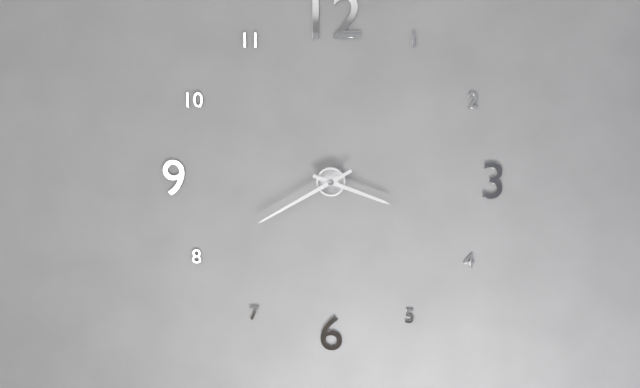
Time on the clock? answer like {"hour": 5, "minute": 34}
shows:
{"hour": 3, "minute": 40}
